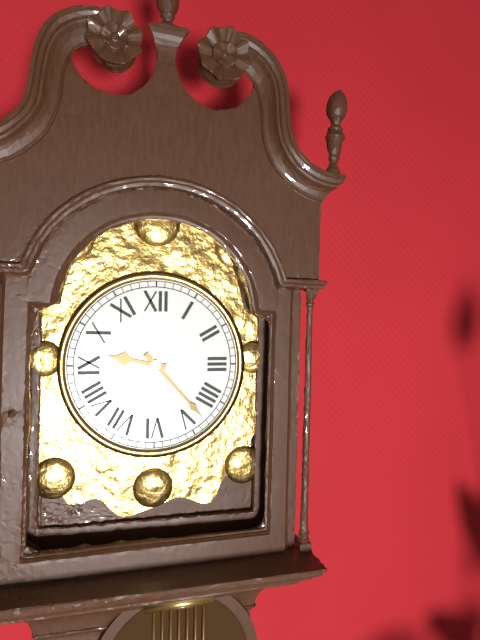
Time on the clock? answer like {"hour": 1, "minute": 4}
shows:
{"hour": 9, "minute": 23}
